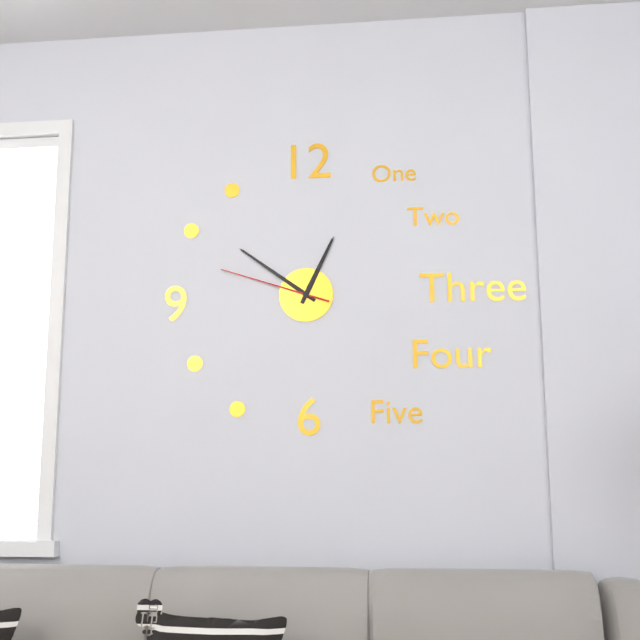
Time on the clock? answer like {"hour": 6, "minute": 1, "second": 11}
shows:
{"hour": 12, "minute": 51, "second": 48}
